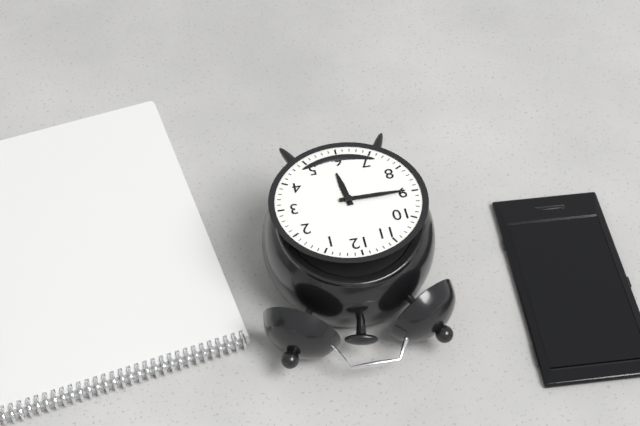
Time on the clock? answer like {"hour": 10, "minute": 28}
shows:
{"hour": 5, "minute": 45}
